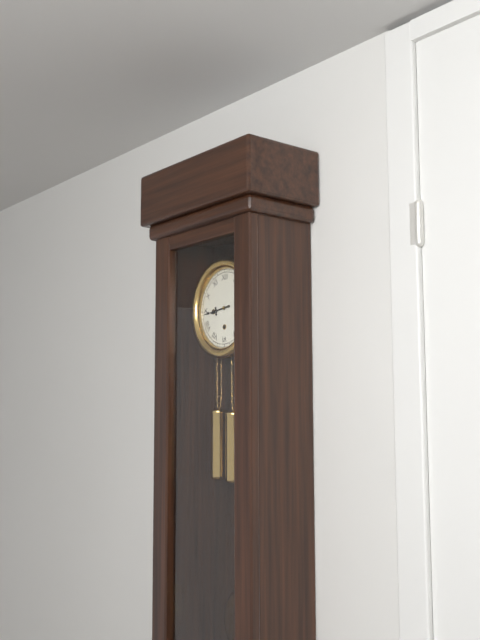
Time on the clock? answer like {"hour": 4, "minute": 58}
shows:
{"hour": 8, "minute": 44}
